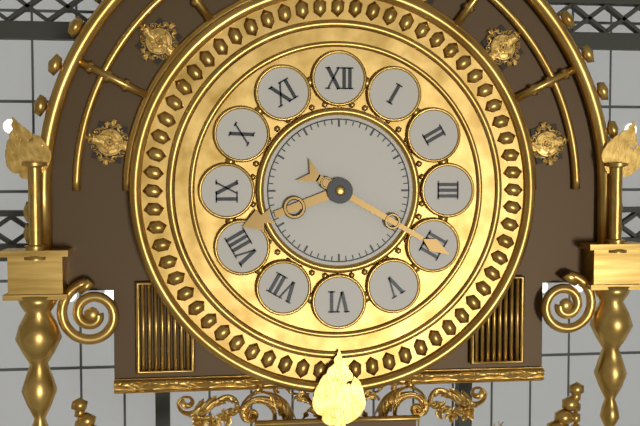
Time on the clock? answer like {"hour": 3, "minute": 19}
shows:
{"hour": 8, "minute": 20}
